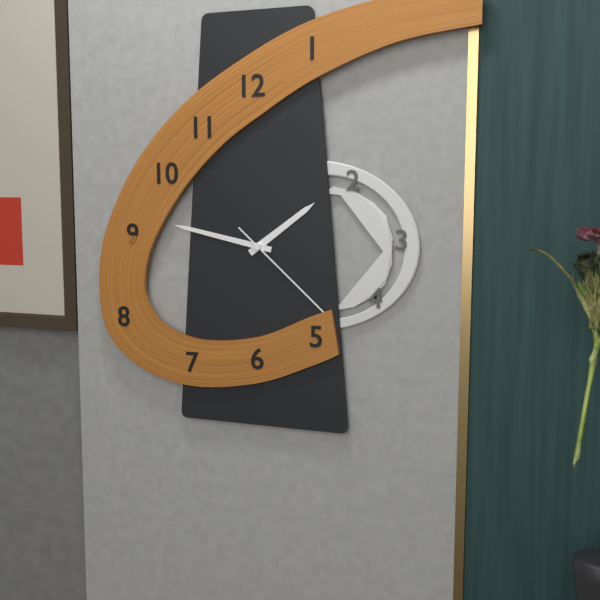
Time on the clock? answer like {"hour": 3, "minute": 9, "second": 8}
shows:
{"hour": 1, "minute": 47, "second": 22}
